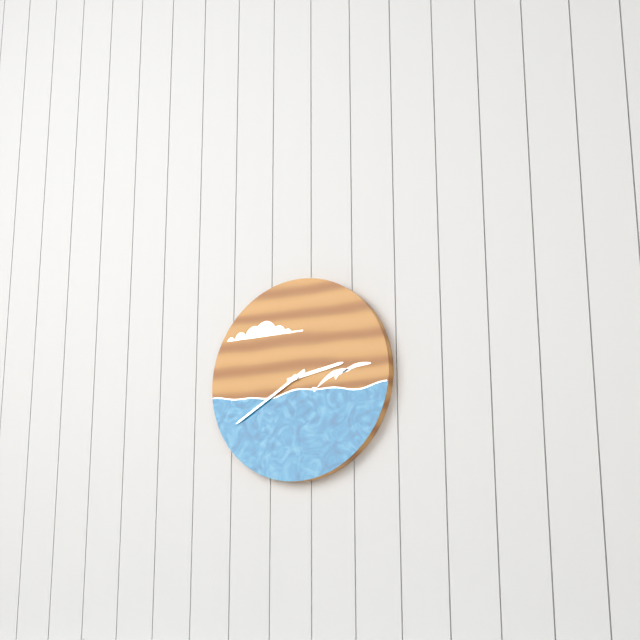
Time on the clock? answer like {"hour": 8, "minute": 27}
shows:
{"hour": 2, "minute": 40}
